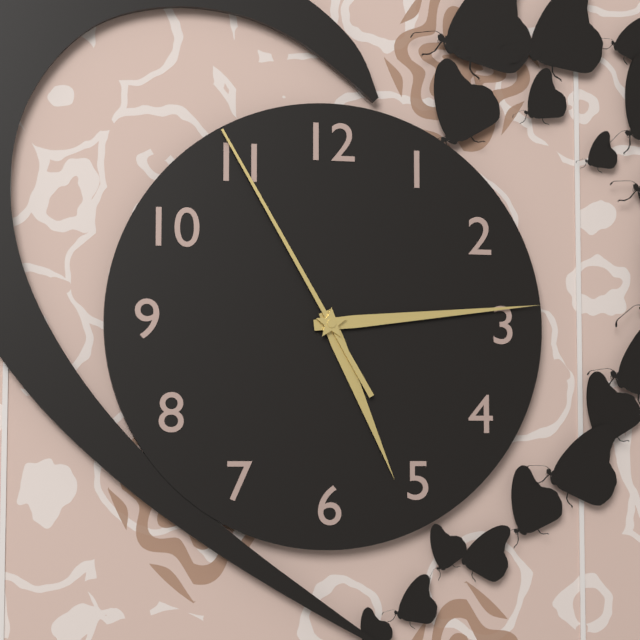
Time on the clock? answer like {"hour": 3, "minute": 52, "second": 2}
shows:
{"hour": 5, "minute": 14, "second": 55}
